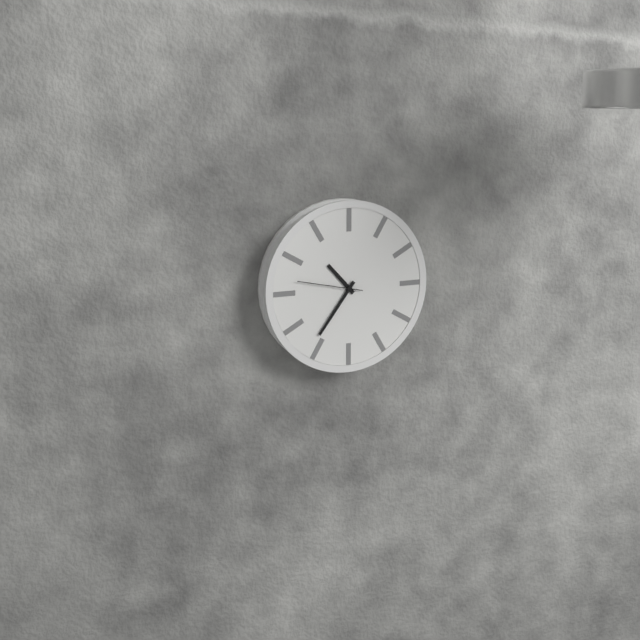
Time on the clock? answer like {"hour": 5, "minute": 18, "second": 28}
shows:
{"hour": 10, "minute": 36, "second": 47}
